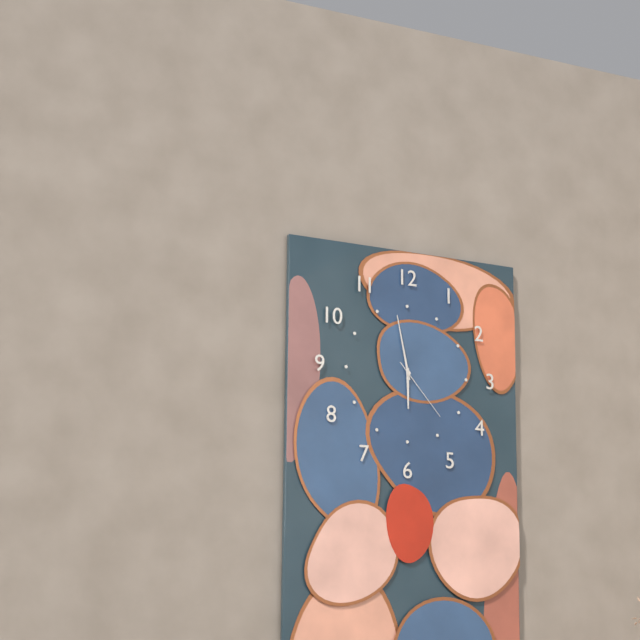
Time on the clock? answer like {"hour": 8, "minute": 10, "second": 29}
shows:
{"hour": 5, "minute": 58, "second": 23}
